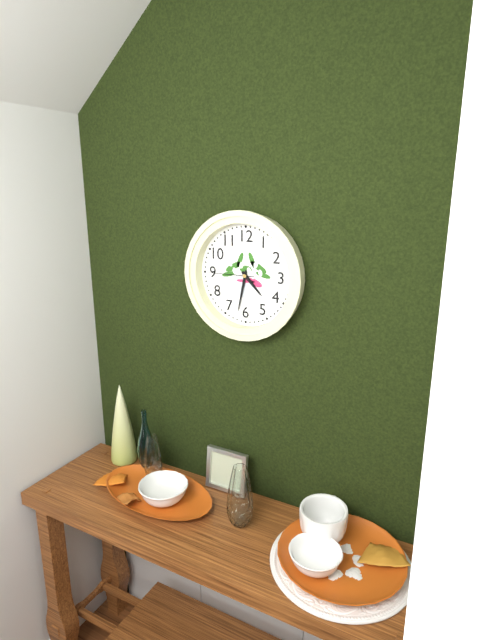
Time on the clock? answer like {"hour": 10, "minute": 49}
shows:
{"hour": 4, "minute": 32}
